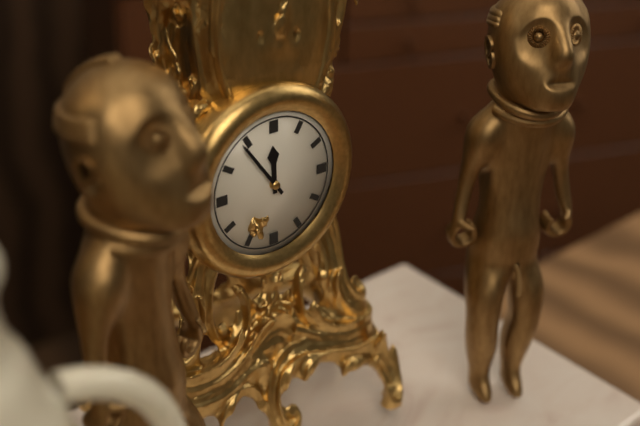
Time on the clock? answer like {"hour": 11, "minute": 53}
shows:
{"hour": 11, "minute": 54}
